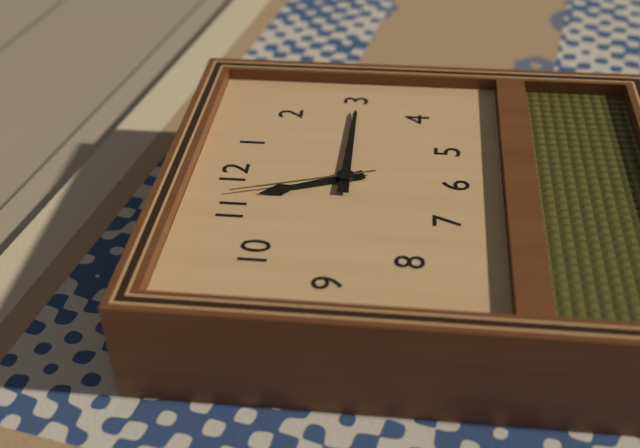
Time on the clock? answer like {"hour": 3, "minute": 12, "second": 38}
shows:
{"hour": 11, "minute": 15, "second": 57}
